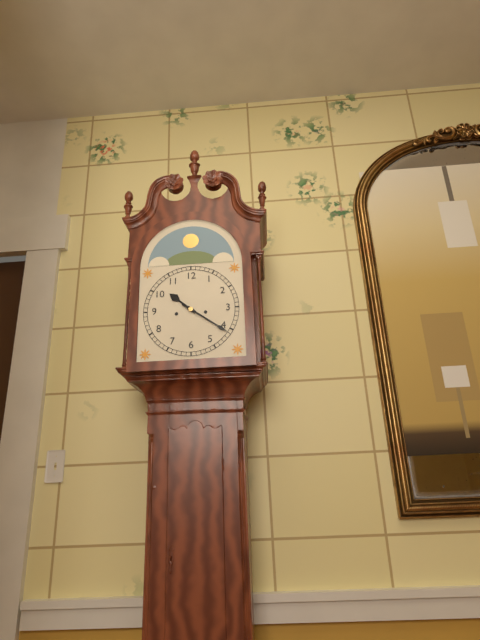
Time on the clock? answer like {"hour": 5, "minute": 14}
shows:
{"hour": 10, "minute": 21}
